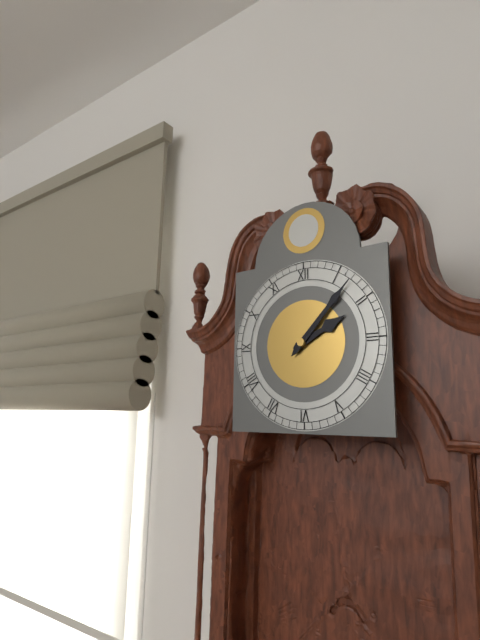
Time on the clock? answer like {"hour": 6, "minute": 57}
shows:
{"hour": 2, "minute": 7}
